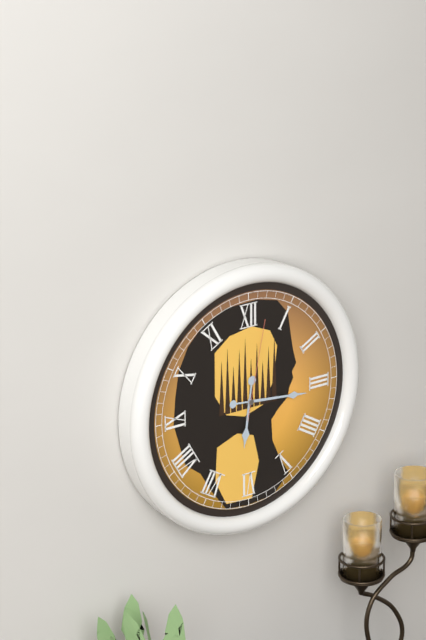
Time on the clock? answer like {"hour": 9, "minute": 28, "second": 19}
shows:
{"hour": 6, "minute": 16, "second": 2}
